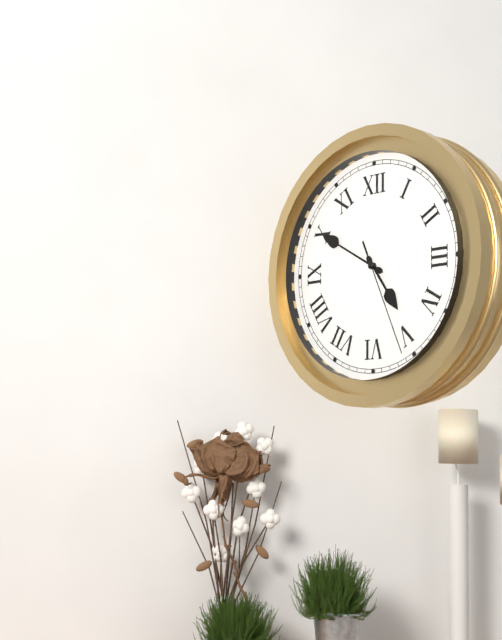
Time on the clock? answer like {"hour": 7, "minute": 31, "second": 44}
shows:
{"hour": 4, "minute": 50, "second": 26}
